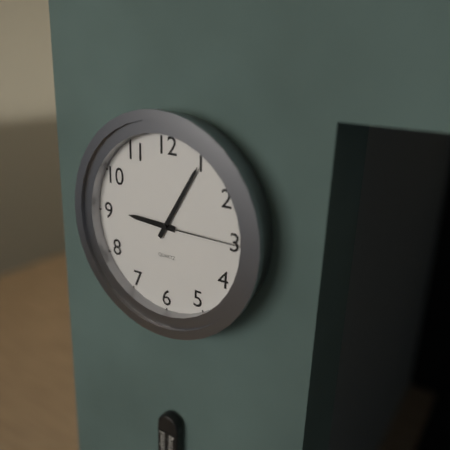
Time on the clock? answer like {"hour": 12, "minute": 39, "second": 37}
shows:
{"hour": 9, "minute": 5, "second": 15}
